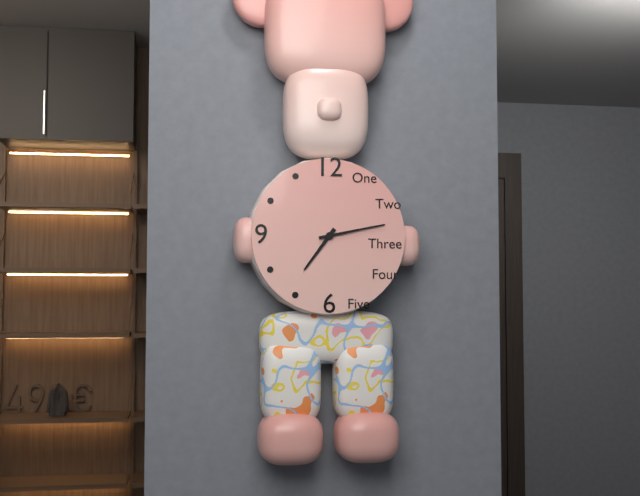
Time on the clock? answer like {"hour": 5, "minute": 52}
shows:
{"hour": 7, "minute": 13}
